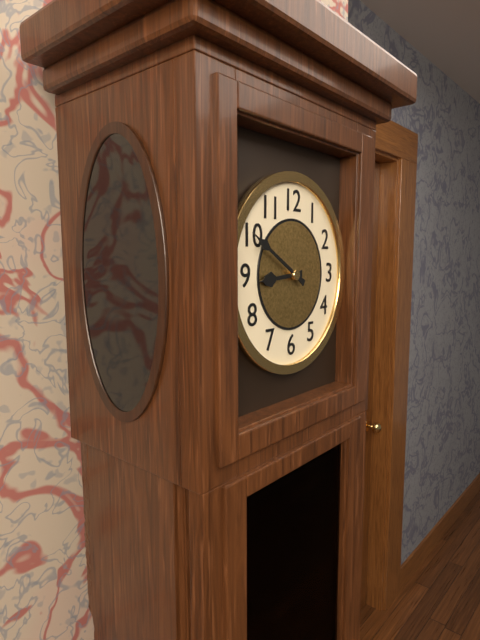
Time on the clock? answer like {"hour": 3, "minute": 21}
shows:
{"hour": 8, "minute": 50}
